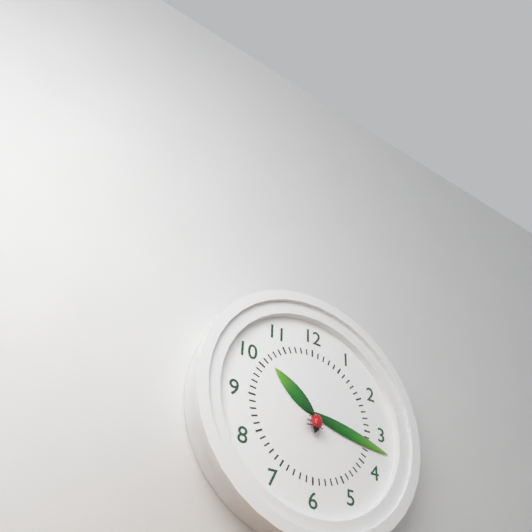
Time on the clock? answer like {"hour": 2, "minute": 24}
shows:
{"hour": 10, "minute": 17}
